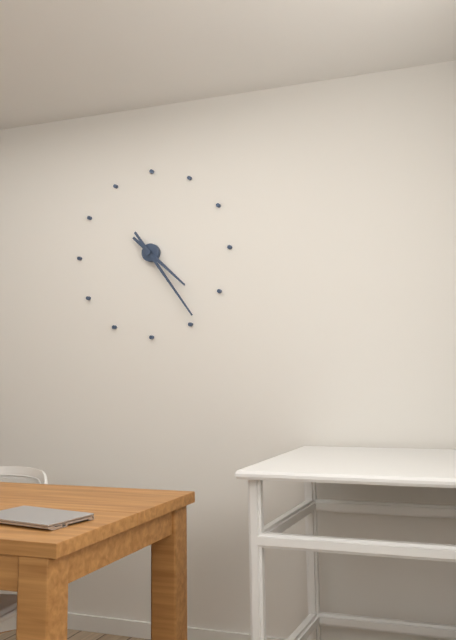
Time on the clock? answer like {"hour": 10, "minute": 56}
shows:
{"hour": 4, "minute": 24}
